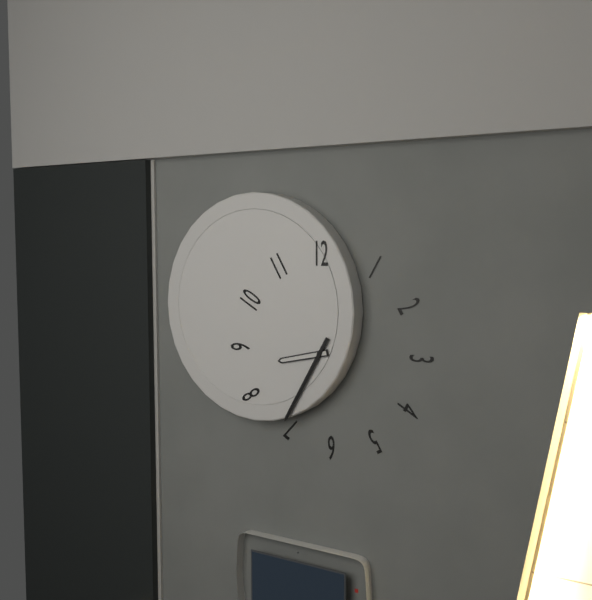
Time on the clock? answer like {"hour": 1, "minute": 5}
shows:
{"hour": 8, "minute": 35}
